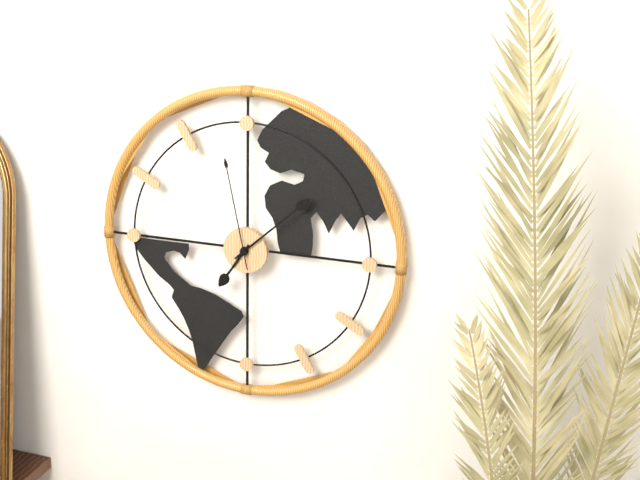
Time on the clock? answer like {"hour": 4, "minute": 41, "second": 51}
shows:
{"hour": 7, "minute": 8, "second": 58}
